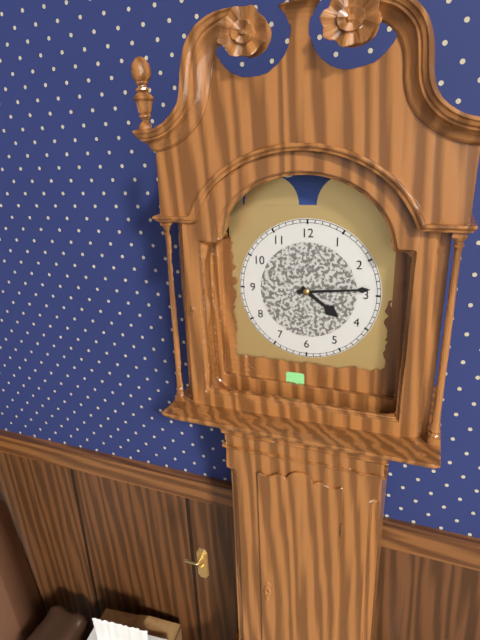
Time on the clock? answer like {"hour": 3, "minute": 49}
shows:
{"hour": 4, "minute": 14}
